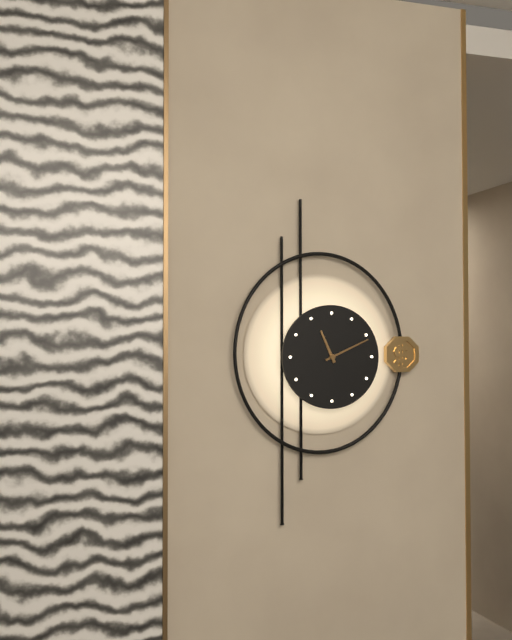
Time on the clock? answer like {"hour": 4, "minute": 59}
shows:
{"hour": 11, "minute": 11}
